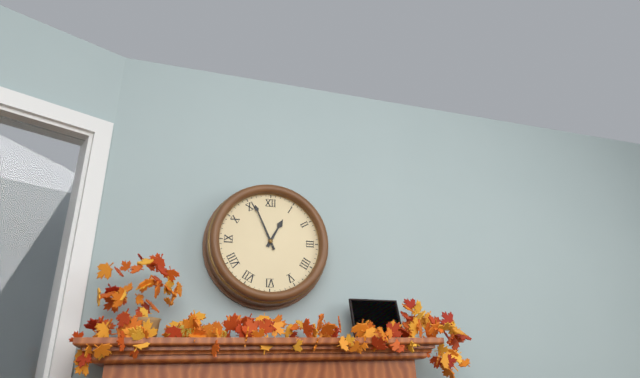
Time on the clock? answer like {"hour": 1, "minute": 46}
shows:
{"hour": 12, "minute": 56}
